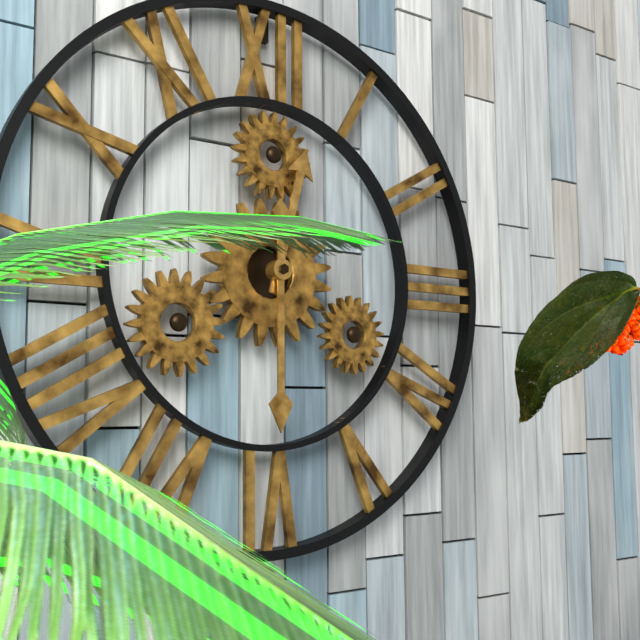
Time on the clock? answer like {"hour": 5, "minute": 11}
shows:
{"hour": 12, "minute": 30}
